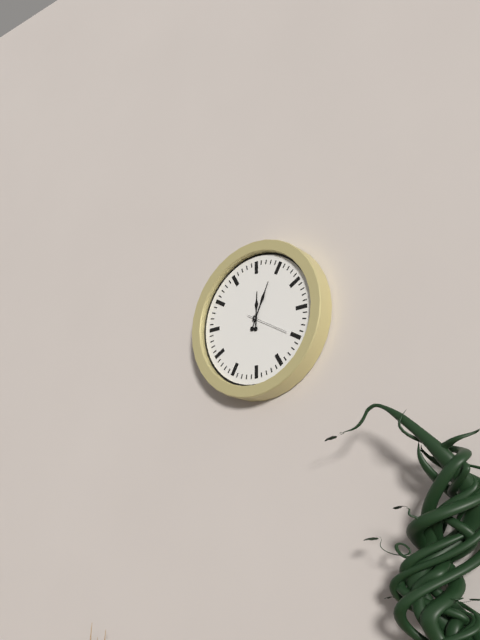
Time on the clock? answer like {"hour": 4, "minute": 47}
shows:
{"hour": 12, "minute": 4}
